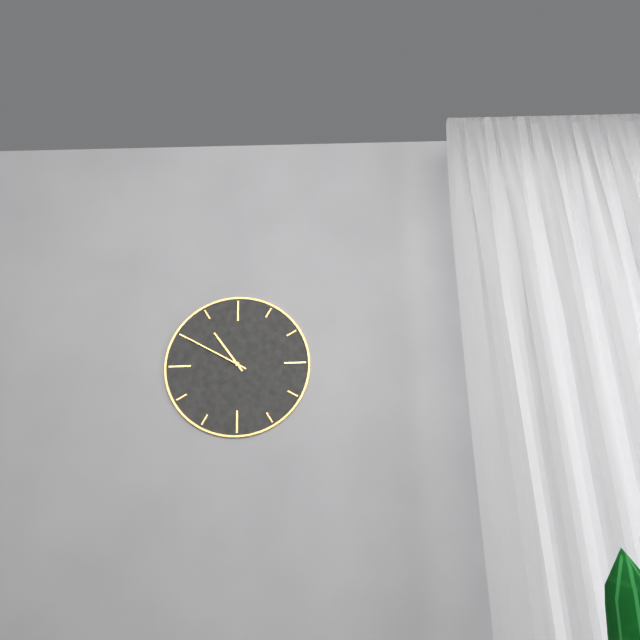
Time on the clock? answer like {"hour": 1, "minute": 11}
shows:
{"hour": 10, "minute": 50}
